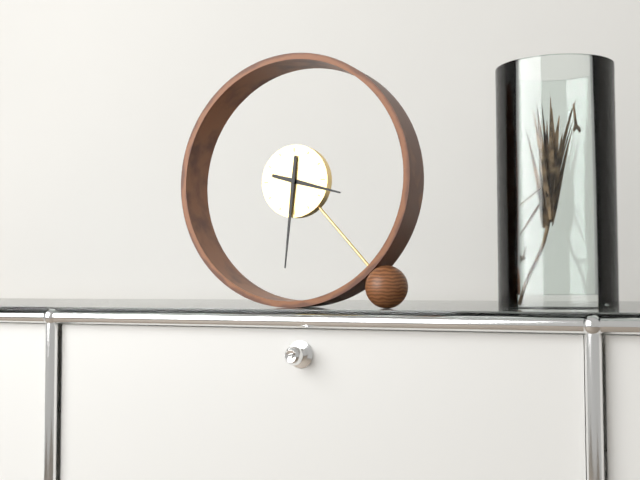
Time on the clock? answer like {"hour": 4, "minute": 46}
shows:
{"hour": 3, "minute": 31}
